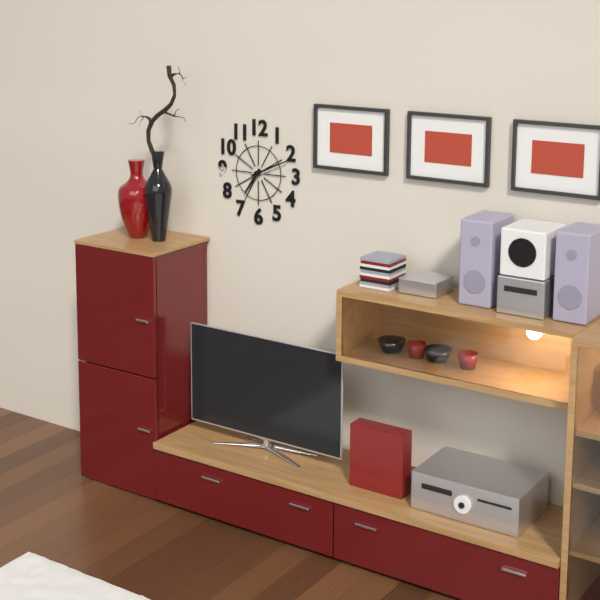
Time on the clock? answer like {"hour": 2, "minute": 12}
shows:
{"hour": 7, "minute": 11}
